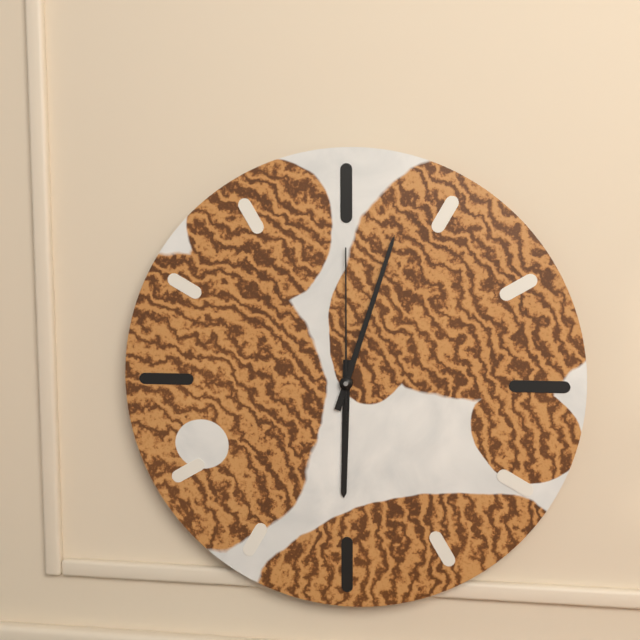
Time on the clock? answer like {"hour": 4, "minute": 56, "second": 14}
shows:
{"hour": 6, "minute": 3, "second": 0}
